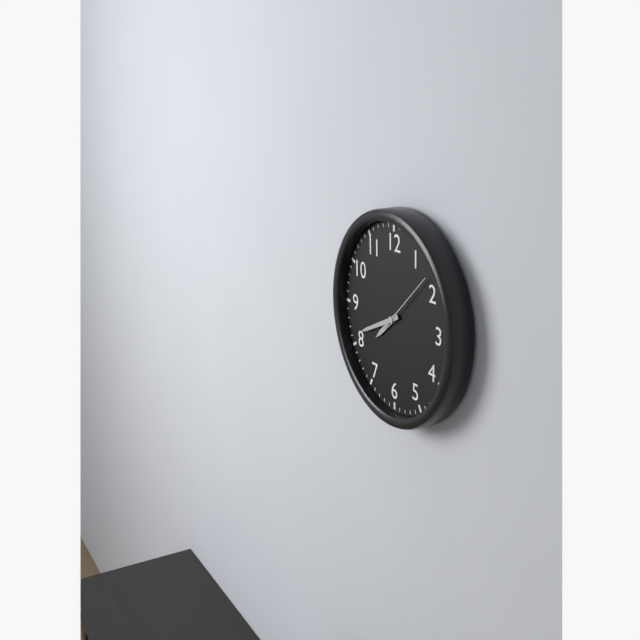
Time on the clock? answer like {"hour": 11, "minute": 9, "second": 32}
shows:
{"hour": 7, "minute": 41, "second": 8}
